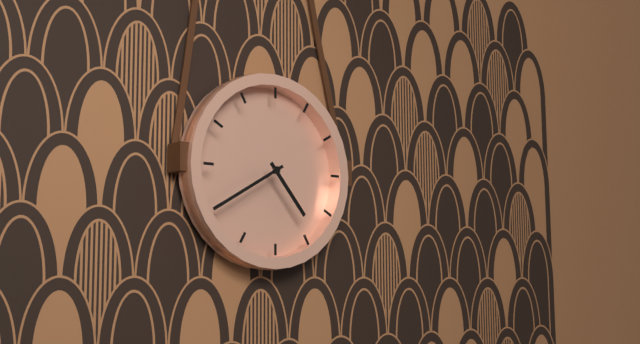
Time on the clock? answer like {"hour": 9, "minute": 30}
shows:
{"hour": 4, "minute": 40}
